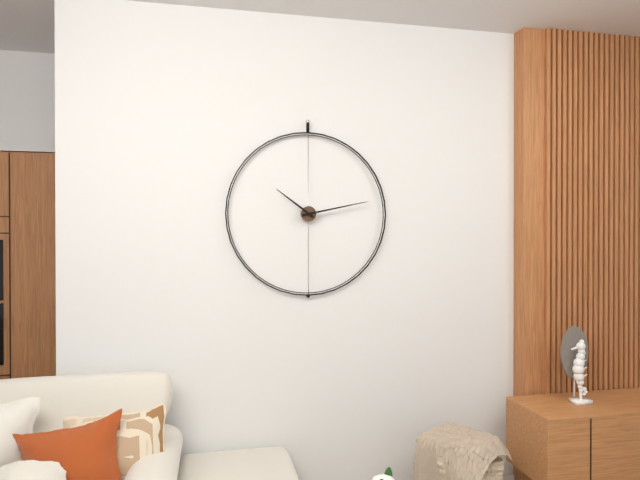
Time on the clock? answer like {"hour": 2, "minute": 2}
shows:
{"hour": 10, "minute": 13}
